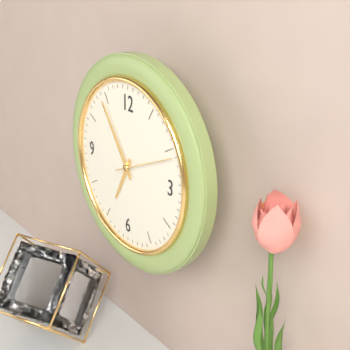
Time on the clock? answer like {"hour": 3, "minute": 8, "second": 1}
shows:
{"hour": 6, "minute": 54, "second": 11}
